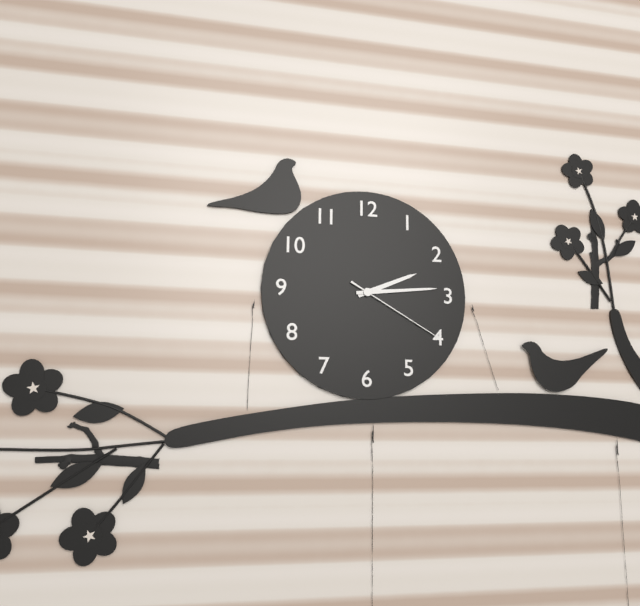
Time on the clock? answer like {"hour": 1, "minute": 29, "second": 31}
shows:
{"hour": 2, "minute": 14, "second": 20}
